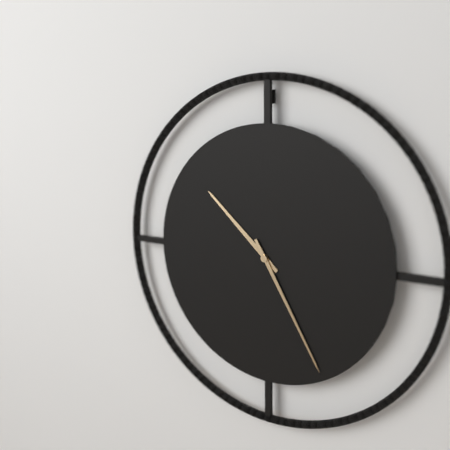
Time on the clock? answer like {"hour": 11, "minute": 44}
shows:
{"hour": 10, "minute": 25}
